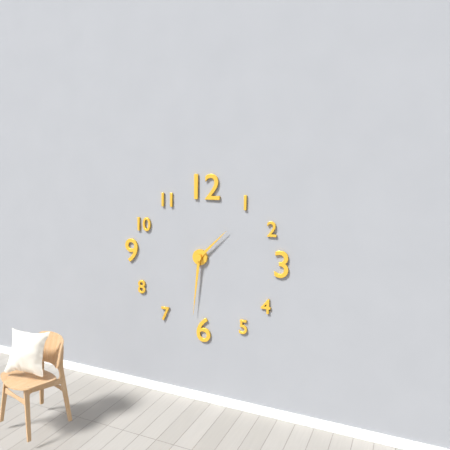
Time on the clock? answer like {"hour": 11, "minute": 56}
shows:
{"hour": 1, "minute": 31}
